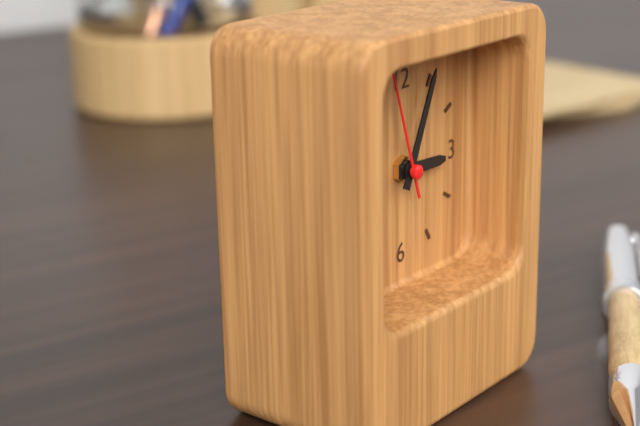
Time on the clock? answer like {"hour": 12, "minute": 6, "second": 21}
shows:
{"hour": 3, "minute": 4, "second": 57}
